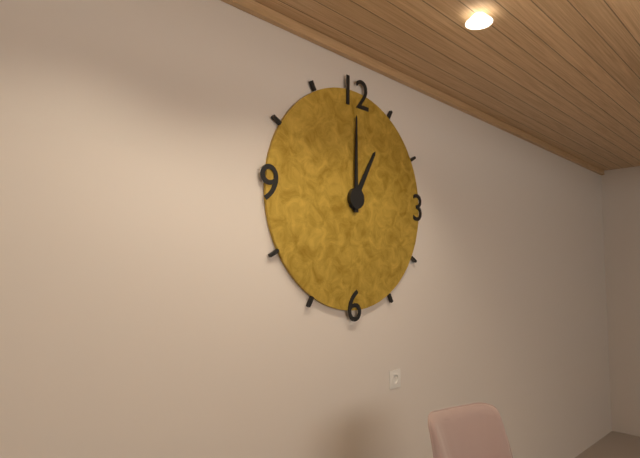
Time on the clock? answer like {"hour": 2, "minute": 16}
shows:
{"hour": 1, "minute": 0}
